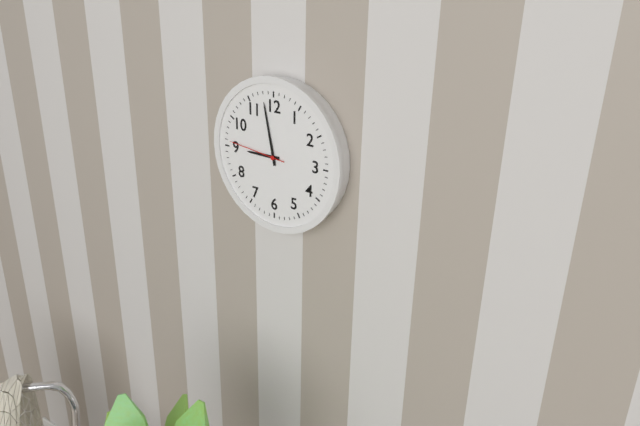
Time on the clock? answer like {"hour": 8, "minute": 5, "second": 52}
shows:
{"hour": 8, "minute": 58, "second": 46}
